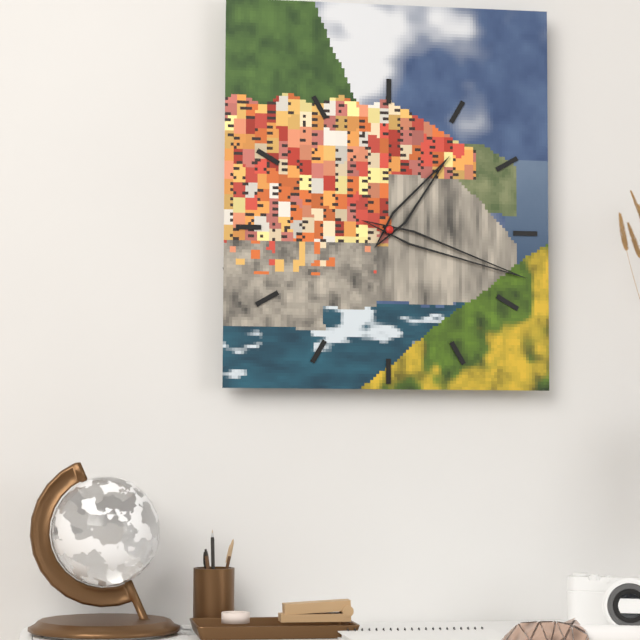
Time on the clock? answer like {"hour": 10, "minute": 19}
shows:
{"hour": 1, "minute": 18}
